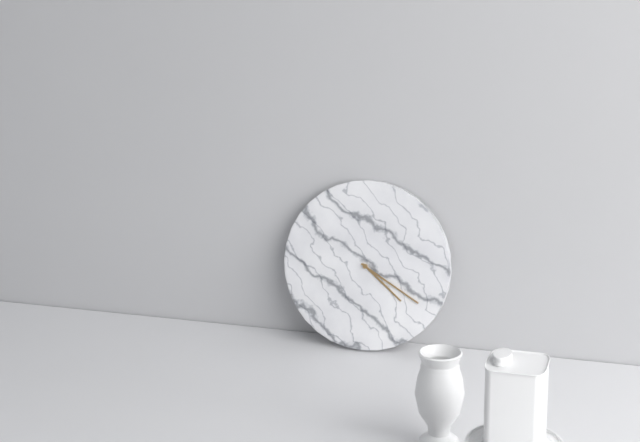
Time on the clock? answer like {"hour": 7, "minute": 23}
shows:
{"hour": 4, "minute": 20}
